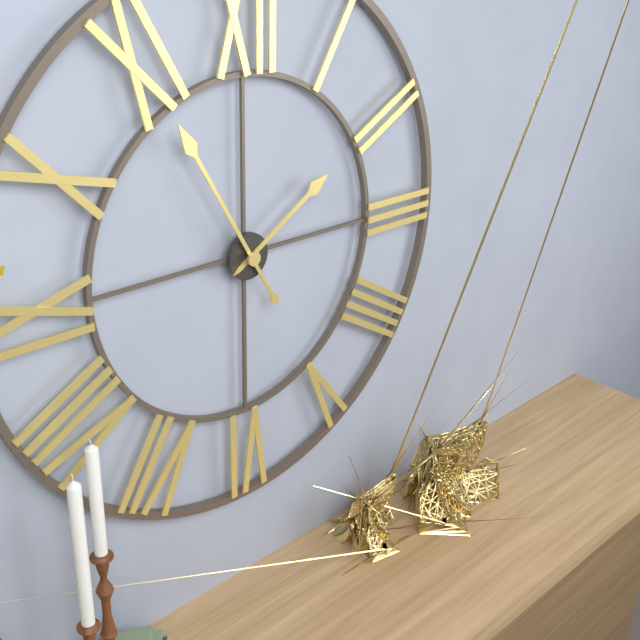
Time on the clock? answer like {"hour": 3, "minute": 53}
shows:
{"hour": 1, "minute": 55}
